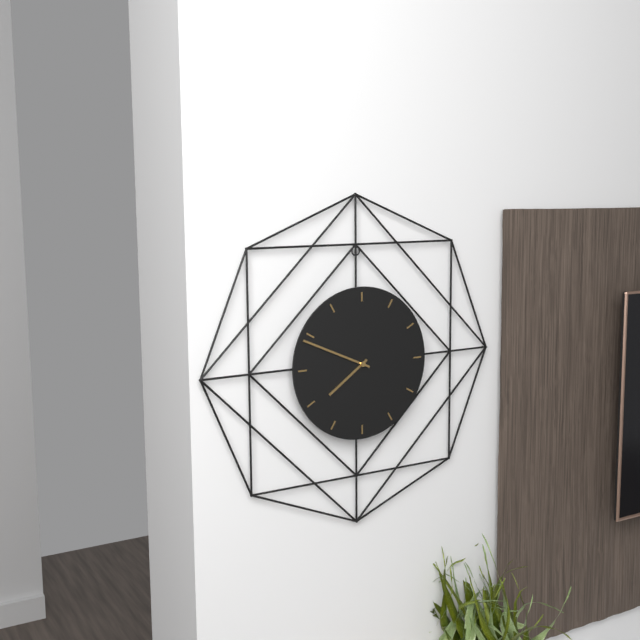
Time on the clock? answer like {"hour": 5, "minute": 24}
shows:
{"hour": 7, "minute": 49}
